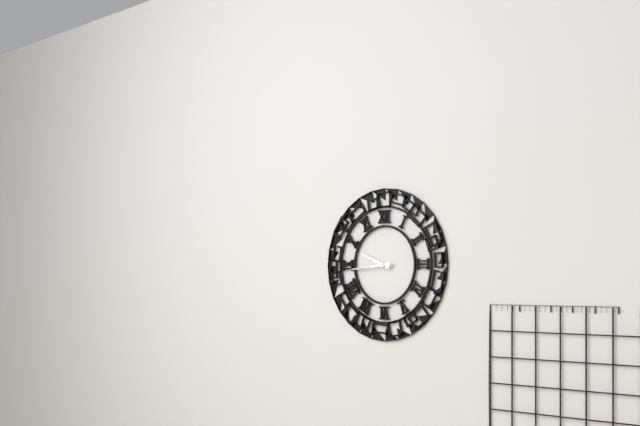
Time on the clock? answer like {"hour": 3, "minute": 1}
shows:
{"hour": 9, "minute": 44}
